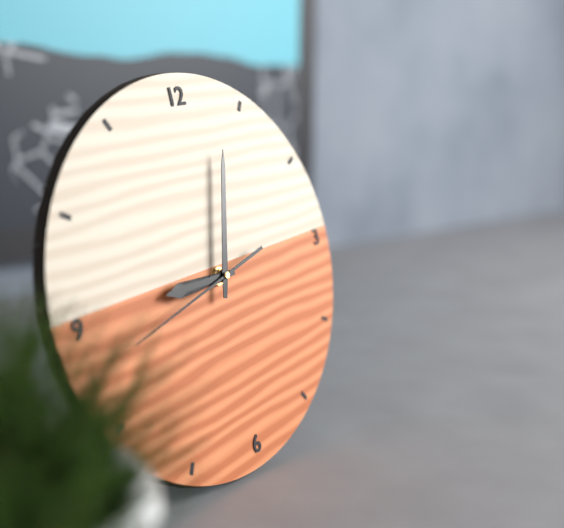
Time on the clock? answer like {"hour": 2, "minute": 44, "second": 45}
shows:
{"hour": 9, "minute": 3, "second": 43}
